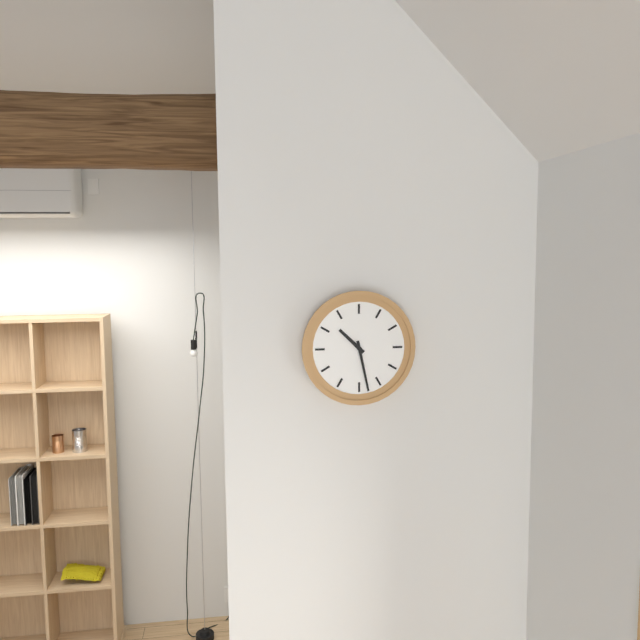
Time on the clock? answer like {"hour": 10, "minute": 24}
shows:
{"hour": 10, "minute": 28}
